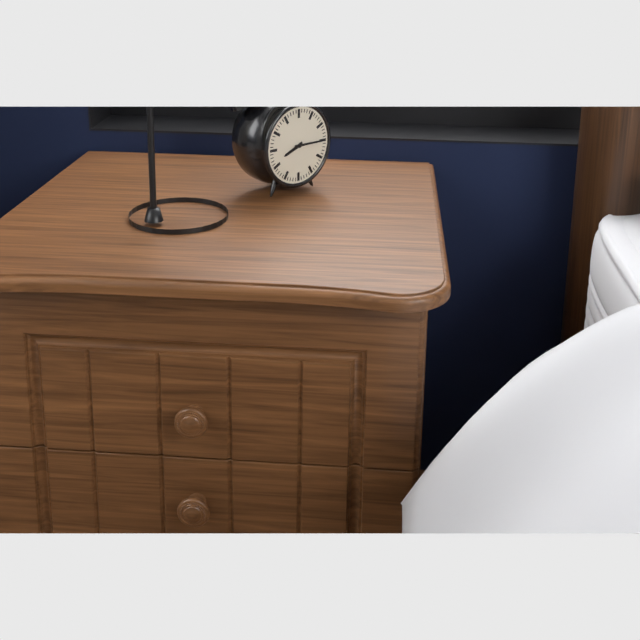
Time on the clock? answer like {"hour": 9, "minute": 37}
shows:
{"hour": 8, "minute": 15}
